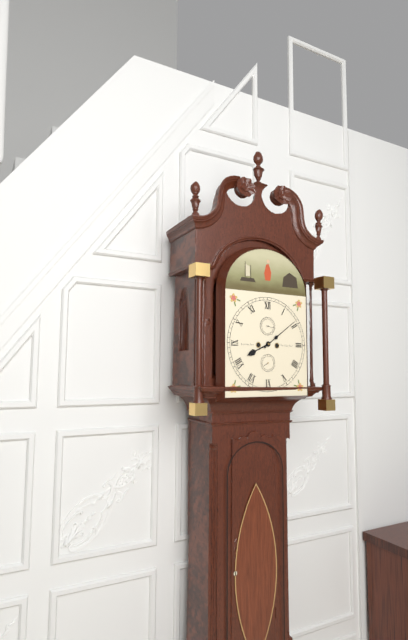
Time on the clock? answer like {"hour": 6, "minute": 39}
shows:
{"hour": 8, "minute": 9}
